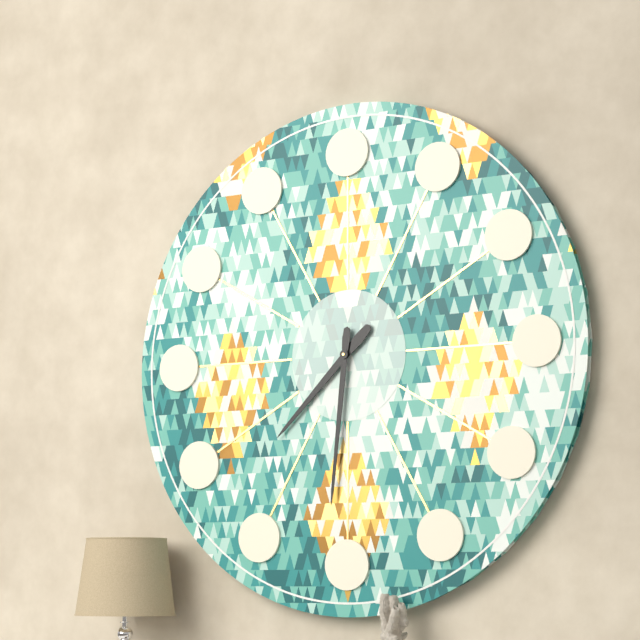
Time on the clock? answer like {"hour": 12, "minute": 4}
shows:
{"hour": 7, "minute": 31}
